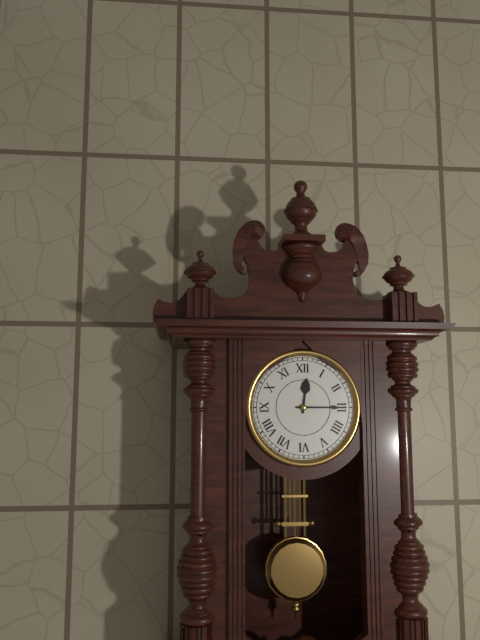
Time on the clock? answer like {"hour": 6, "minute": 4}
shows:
{"hour": 12, "minute": 15}
